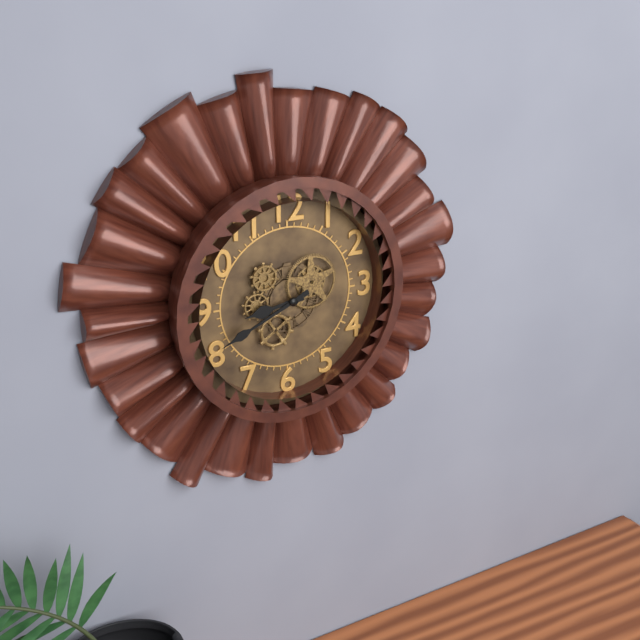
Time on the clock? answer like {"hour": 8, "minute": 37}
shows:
{"hour": 8, "minute": 41}
